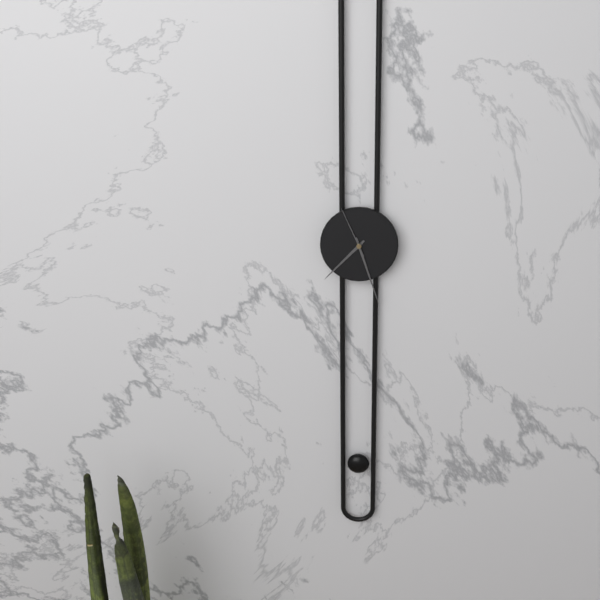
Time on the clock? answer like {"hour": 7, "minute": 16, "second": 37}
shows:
{"hour": 7, "minute": 27, "second": 56}
